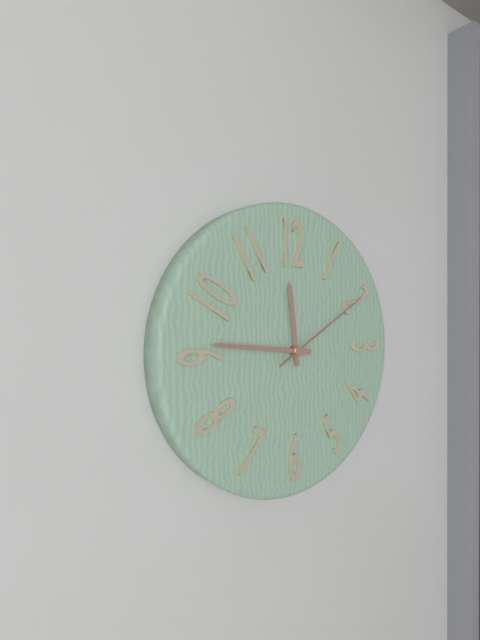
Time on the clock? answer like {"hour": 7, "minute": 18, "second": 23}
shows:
{"hour": 11, "minute": 46, "second": 10}
